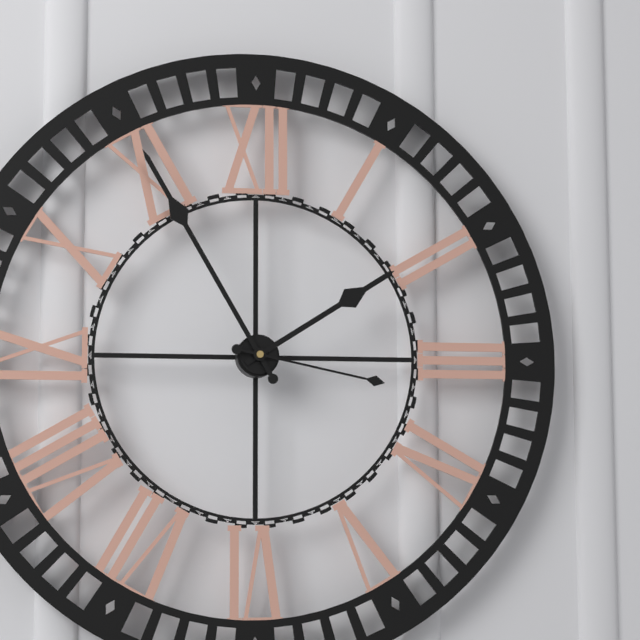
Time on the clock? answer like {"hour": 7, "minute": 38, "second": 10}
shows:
{"hour": 1, "minute": 55, "second": 17}
